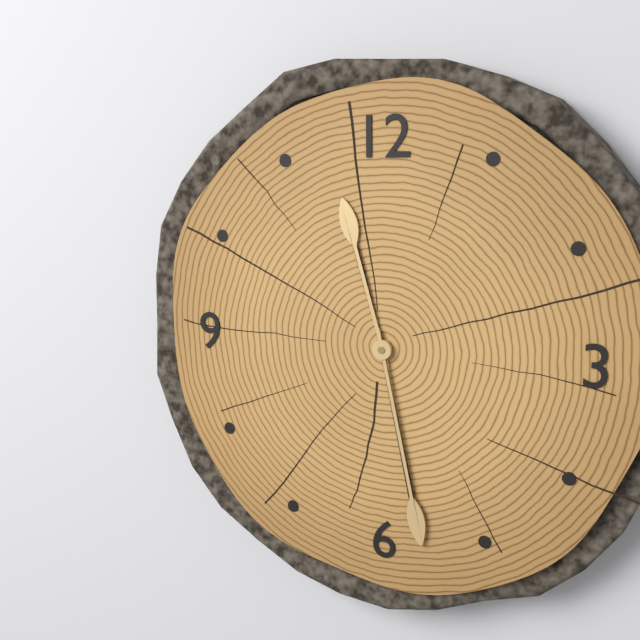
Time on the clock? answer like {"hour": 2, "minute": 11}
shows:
{"hour": 11, "minute": 28}
